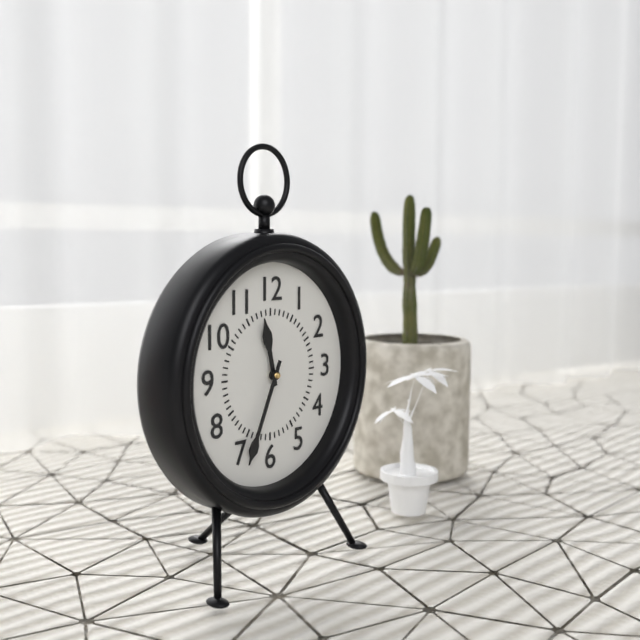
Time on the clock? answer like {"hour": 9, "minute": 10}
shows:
{"hour": 11, "minute": 34}
